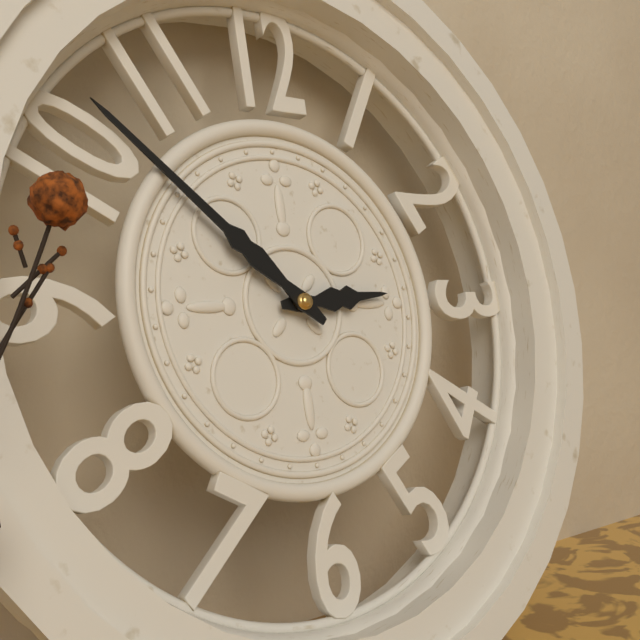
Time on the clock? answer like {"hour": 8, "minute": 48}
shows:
{"hour": 2, "minute": 52}
